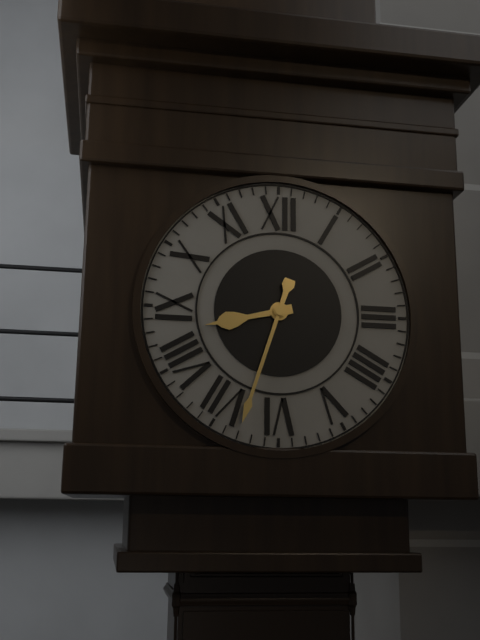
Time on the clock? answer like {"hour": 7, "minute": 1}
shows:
{"hour": 8, "minute": 33}
